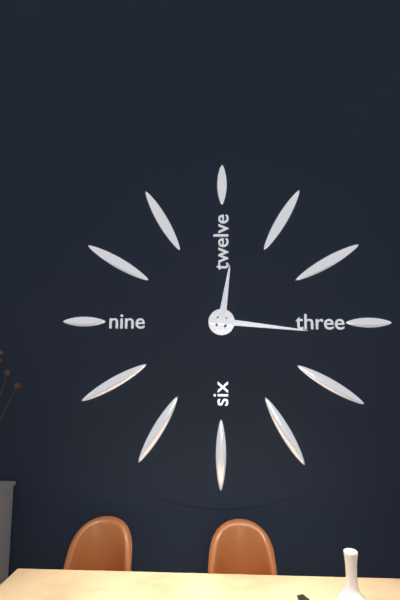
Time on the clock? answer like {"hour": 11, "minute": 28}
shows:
{"hour": 12, "minute": 16}
